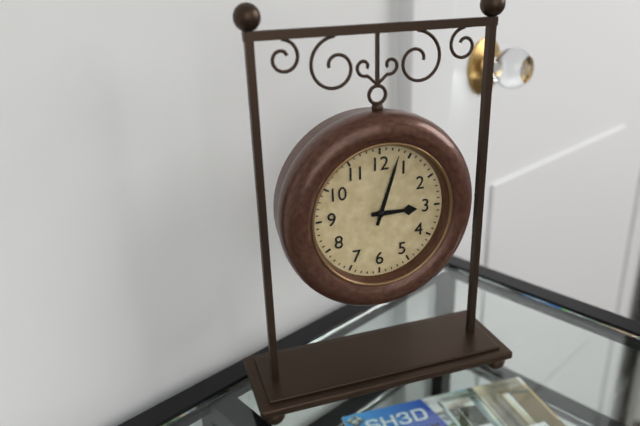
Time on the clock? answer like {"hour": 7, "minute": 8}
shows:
{"hour": 3, "minute": 3}
